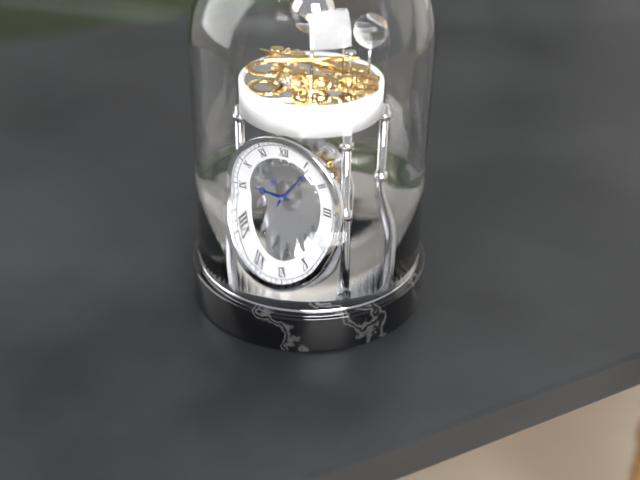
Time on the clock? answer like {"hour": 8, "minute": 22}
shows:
{"hour": 9, "minute": 6}
